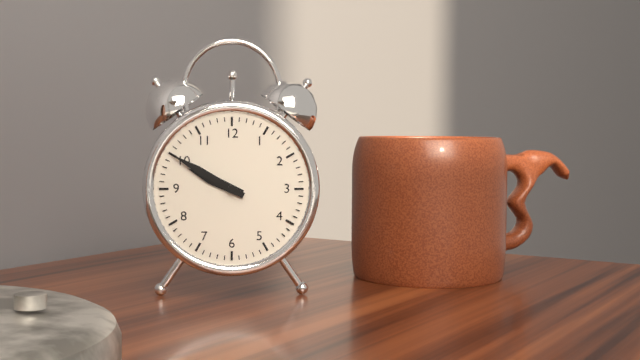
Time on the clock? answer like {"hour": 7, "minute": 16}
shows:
{"hour": 9, "minute": 50}
